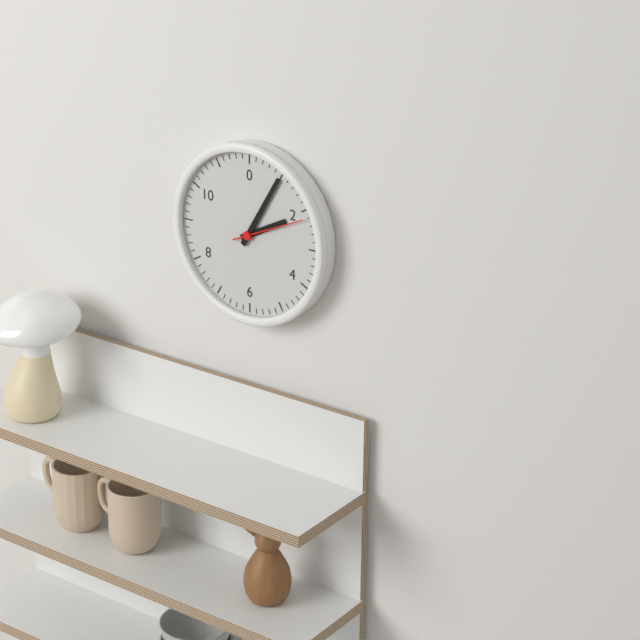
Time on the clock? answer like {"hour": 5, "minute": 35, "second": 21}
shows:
{"hour": 2, "minute": 5, "second": 11}
